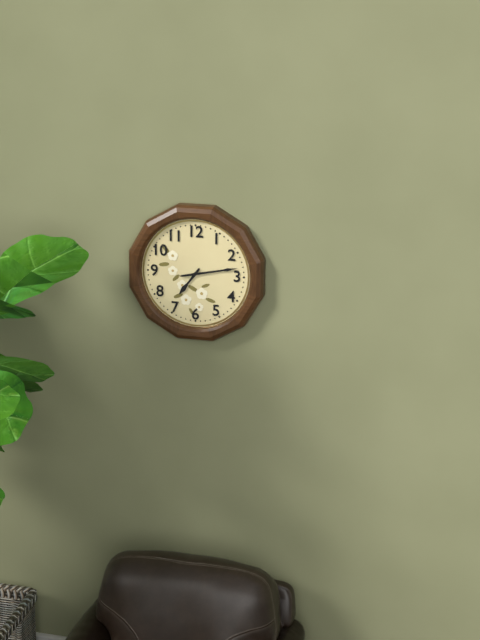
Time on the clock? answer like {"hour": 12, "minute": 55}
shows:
{"hour": 7, "minute": 13}
